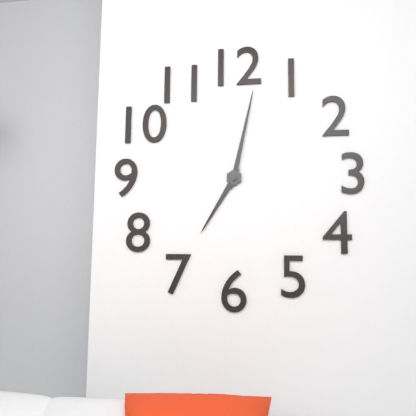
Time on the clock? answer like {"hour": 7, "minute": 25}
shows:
{"hour": 7, "minute": 2}
